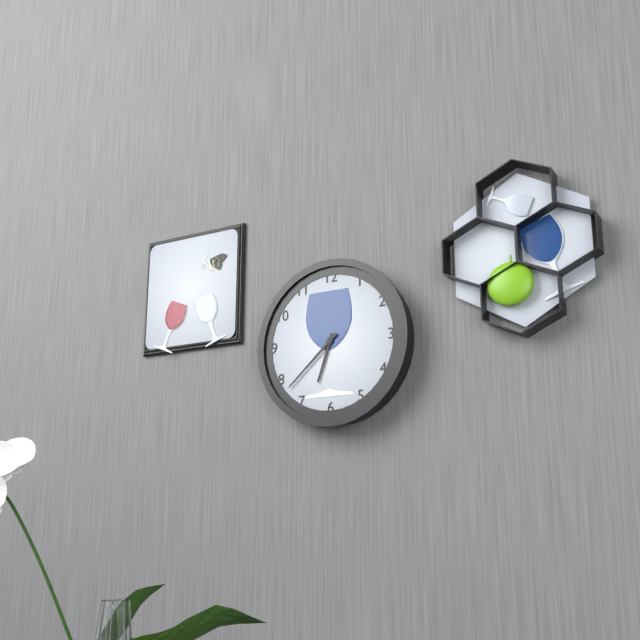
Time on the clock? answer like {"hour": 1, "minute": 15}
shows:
{"hour": 6, "minute": 38}
